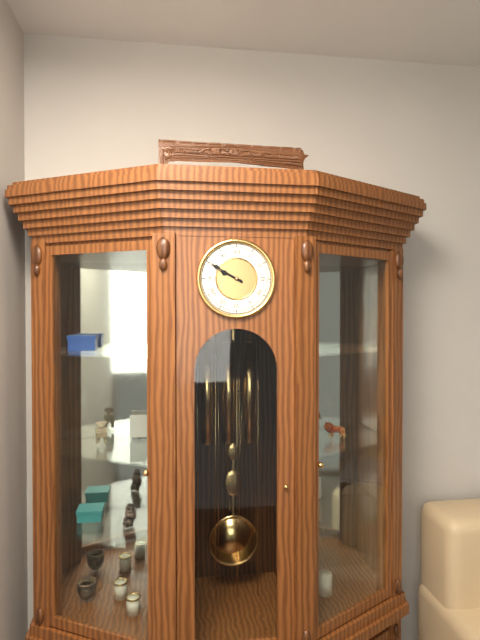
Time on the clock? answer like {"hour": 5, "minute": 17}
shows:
{"hour": 9, "minute": 50}
